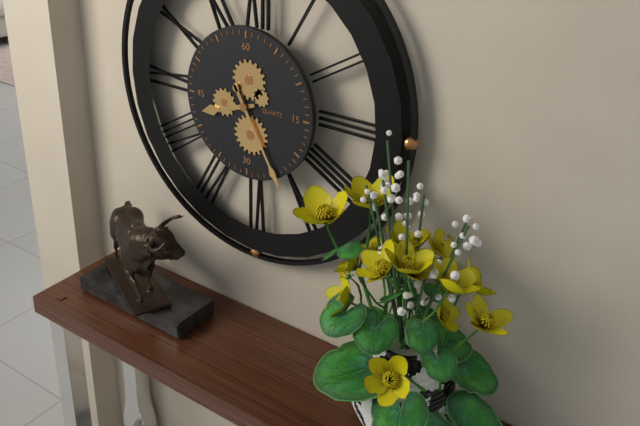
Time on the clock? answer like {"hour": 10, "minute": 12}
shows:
{"hour": 8, "minute": 25}
